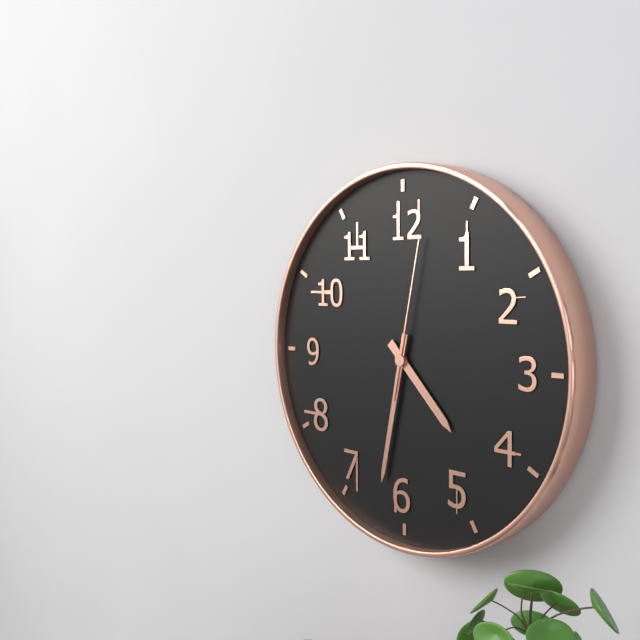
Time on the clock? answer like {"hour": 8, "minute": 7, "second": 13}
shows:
{"hour": 4, "minute": 32, "second": 2}
